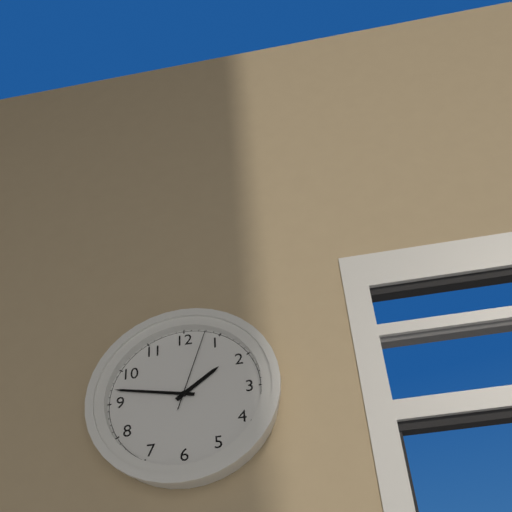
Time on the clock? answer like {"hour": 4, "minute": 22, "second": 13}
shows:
{"hour": 1, "minute": 47, "second": 3}
